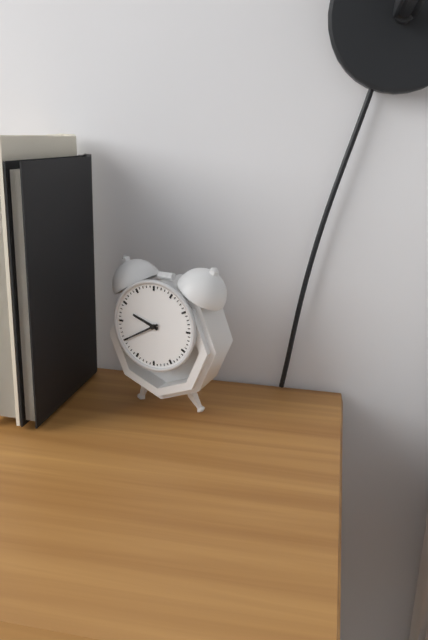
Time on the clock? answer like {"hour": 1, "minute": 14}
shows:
{"hour": 9, "minute": 40}
